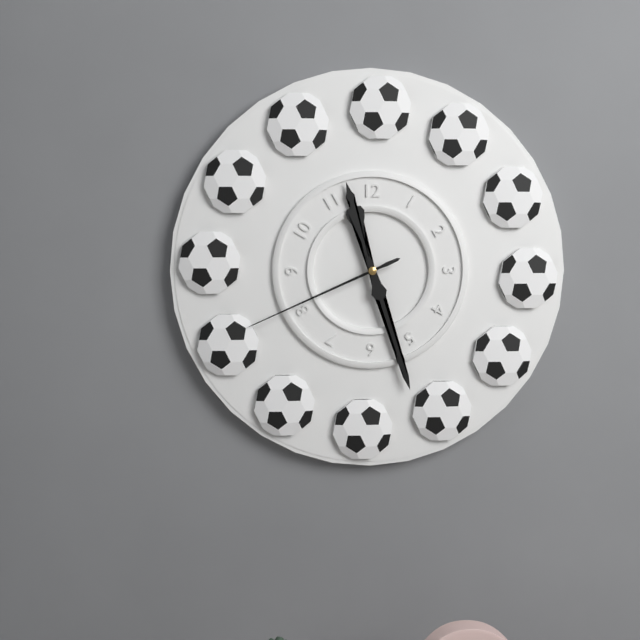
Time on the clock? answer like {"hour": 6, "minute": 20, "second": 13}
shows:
{"hour": 11, "minute": 27, "second": 41}
